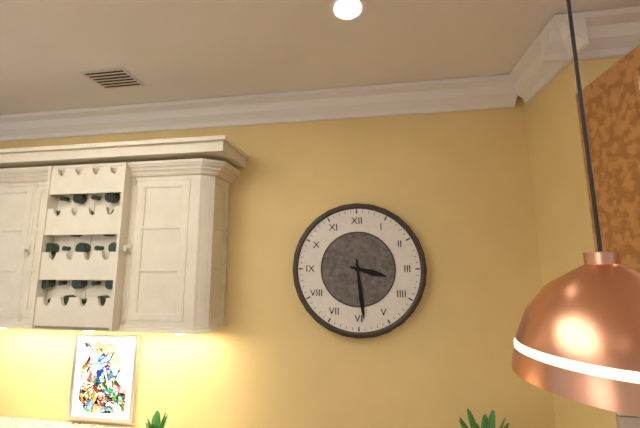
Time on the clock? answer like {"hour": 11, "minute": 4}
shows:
{"hour": 3, "minute": 29}
